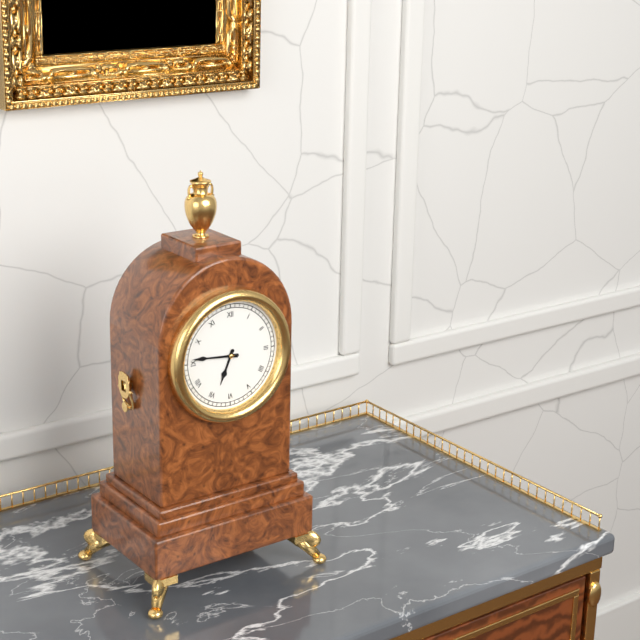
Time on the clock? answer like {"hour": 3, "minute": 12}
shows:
{"hour": 6, "minute": 46}
